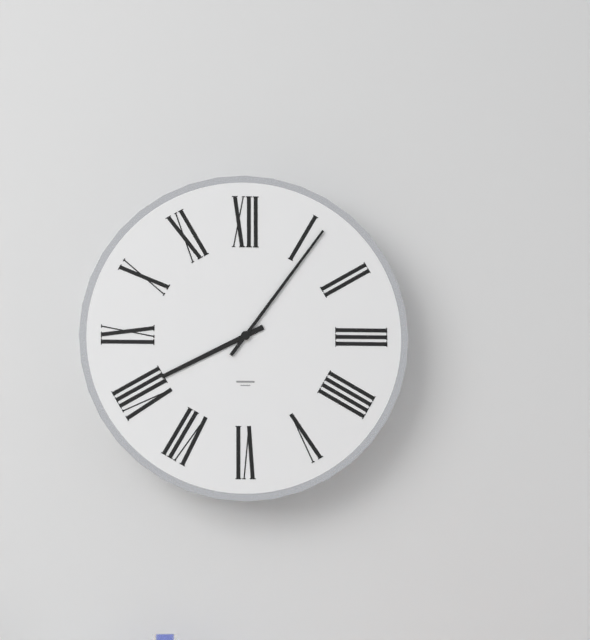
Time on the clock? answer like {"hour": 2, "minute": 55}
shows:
{"hour": 8, "minute": 6}
